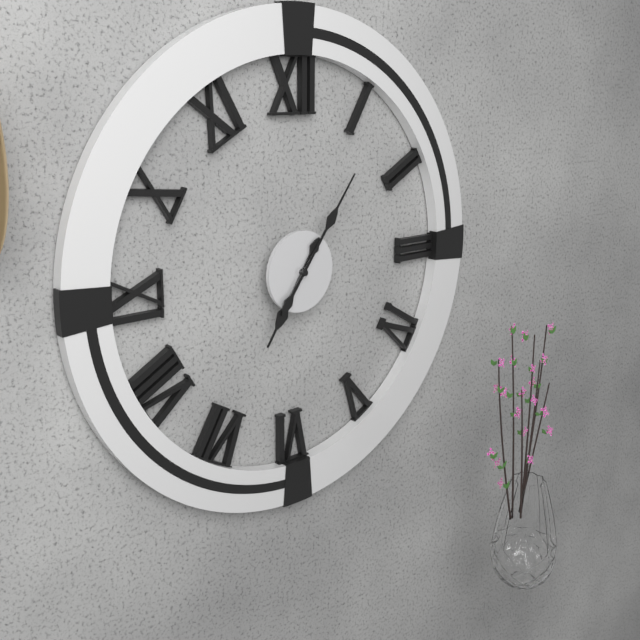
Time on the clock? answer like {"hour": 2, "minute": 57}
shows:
{"hour": 7, "minute": 6}
